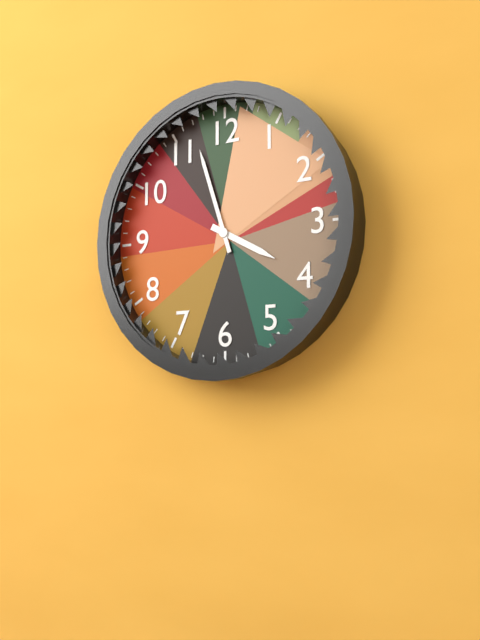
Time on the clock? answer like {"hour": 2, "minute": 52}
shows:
{"hour": 3, "minute": 57}
